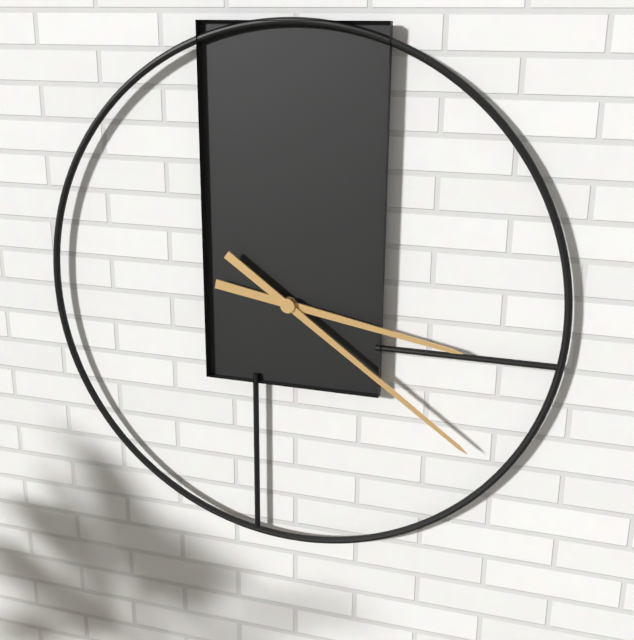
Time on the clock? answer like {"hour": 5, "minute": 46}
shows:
{"hour": 3, "minute": 21}
